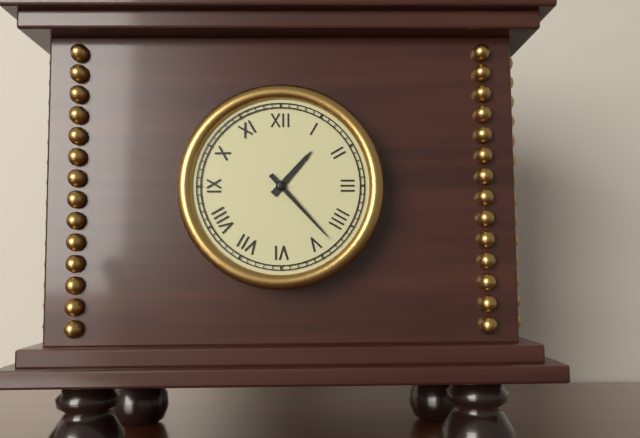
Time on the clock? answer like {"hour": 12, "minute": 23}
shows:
{"hour": 1, "minute": 23}
